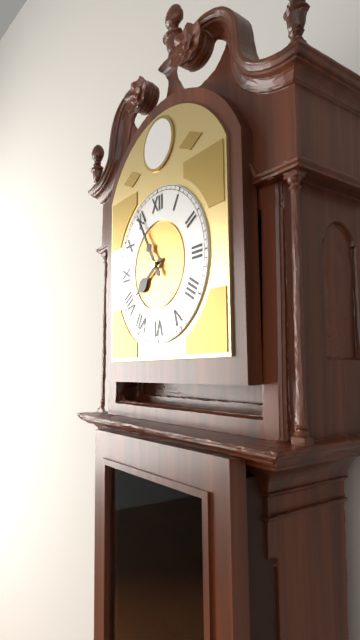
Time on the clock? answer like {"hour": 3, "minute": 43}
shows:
{"hour": 7, "minute": 55}
